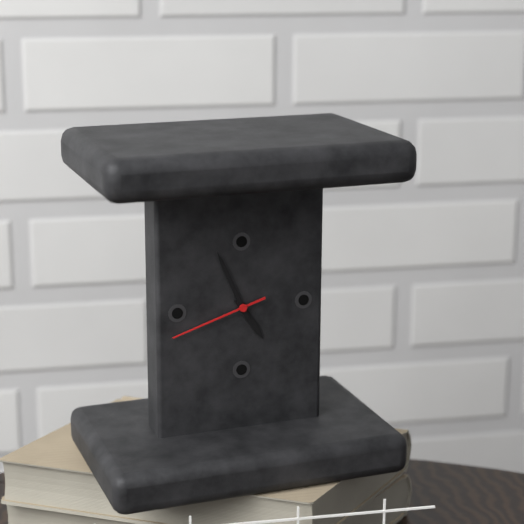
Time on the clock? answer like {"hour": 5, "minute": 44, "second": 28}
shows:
{"hour": 4, "minute": 56, "second": 42}
